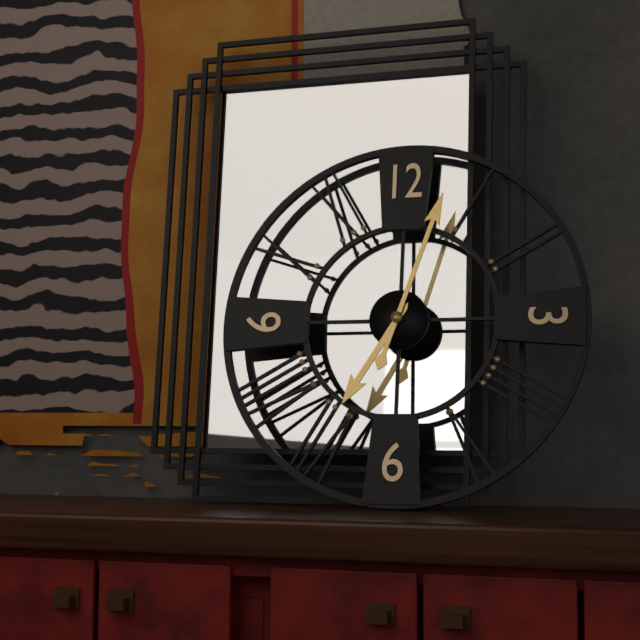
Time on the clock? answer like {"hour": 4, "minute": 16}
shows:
{"hour": 7, "minute": 3}
